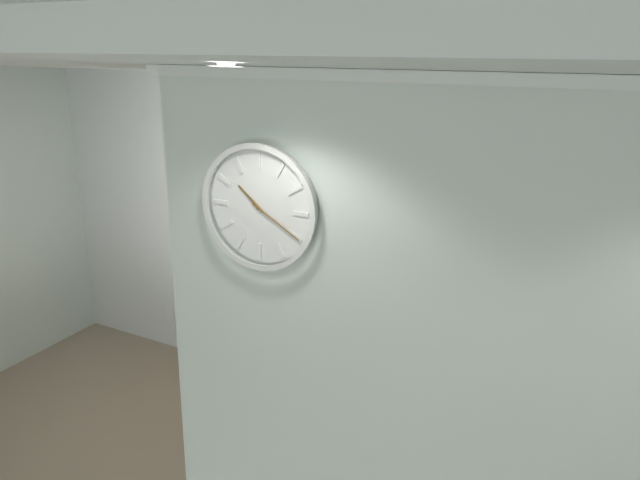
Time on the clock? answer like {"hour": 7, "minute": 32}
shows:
{"hour": 10, "minute": 20}
